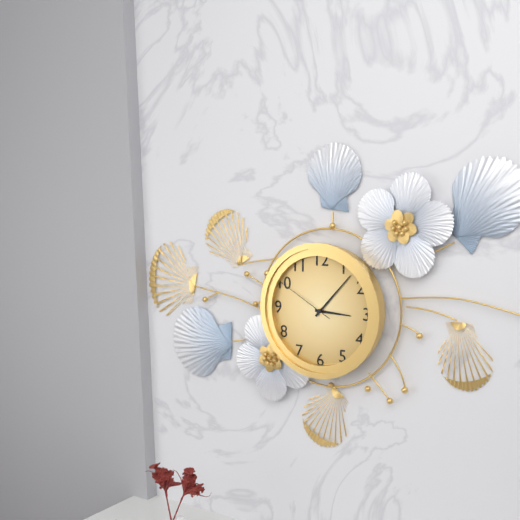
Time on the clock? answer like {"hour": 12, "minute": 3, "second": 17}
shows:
{"hour": 3, "minute": 7, "second": 50}
